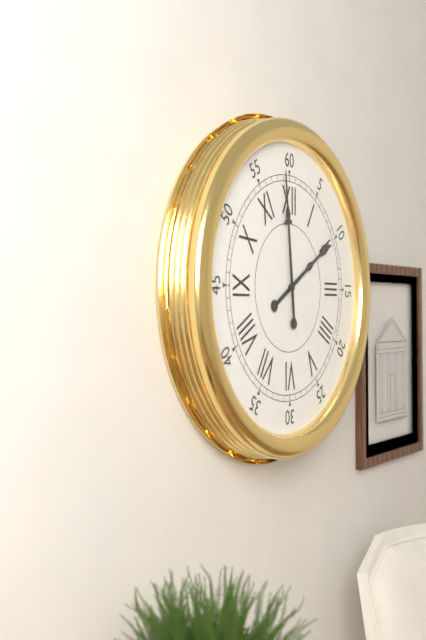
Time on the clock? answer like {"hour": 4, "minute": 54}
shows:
{"hour": 1, "minute": 59}
